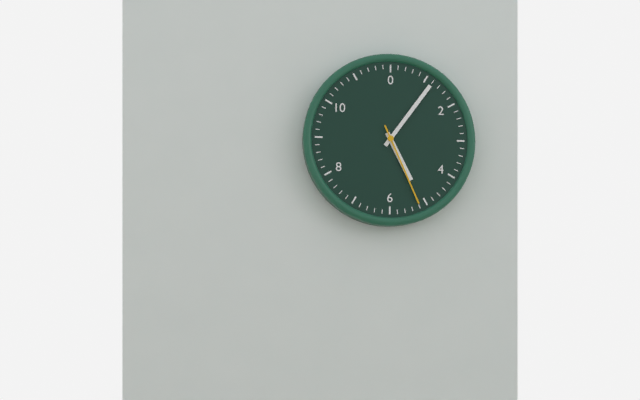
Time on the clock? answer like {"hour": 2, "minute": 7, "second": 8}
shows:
{"hour": 5, "minute": 6, "second": 26}
